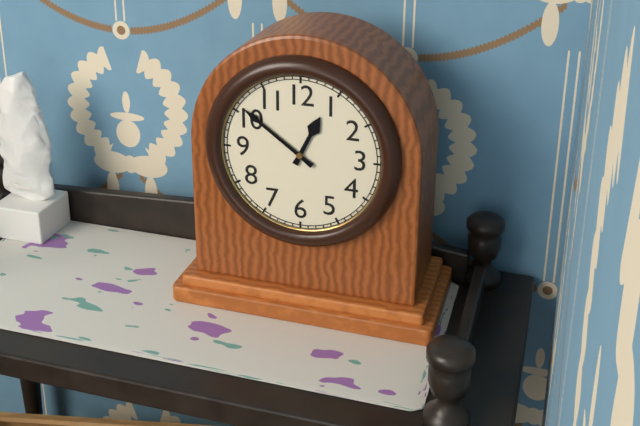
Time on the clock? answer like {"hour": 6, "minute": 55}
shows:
{"hour": 12, "minute": 51}
